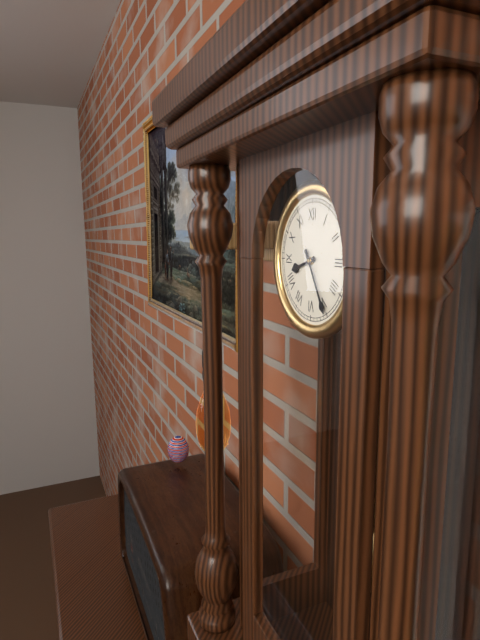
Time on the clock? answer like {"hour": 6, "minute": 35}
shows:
{"hour": 8, "minute": 25}
